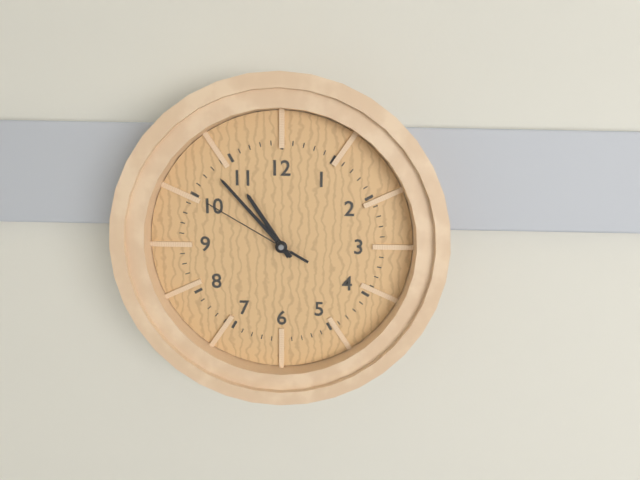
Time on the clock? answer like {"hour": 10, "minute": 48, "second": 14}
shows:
{"hour": 10, "minute": 53, "second": 50}
